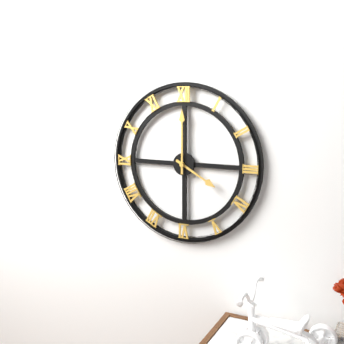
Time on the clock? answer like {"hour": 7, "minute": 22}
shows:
{"hour": 4, "minute": 0}
